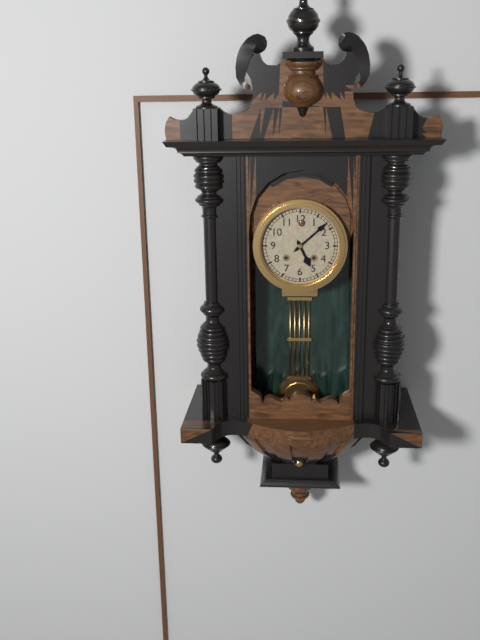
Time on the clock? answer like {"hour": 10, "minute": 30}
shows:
{"hour": 5, "minute": 8}
